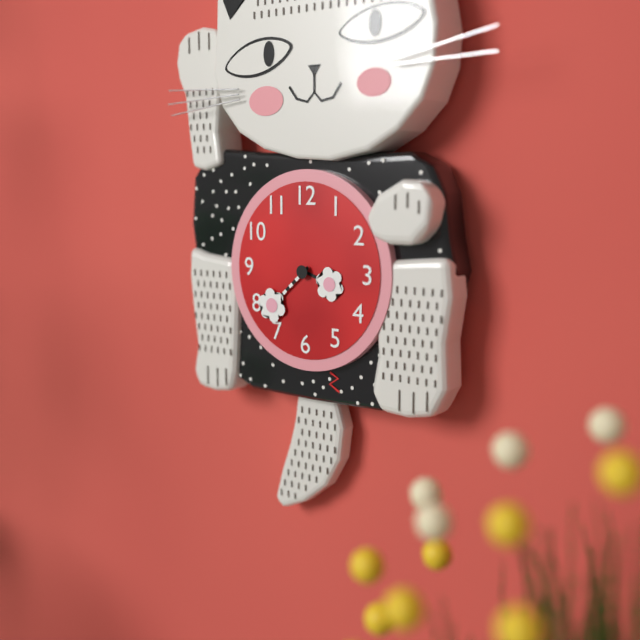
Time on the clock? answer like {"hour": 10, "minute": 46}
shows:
{"hour": 3, "minute": 38}
